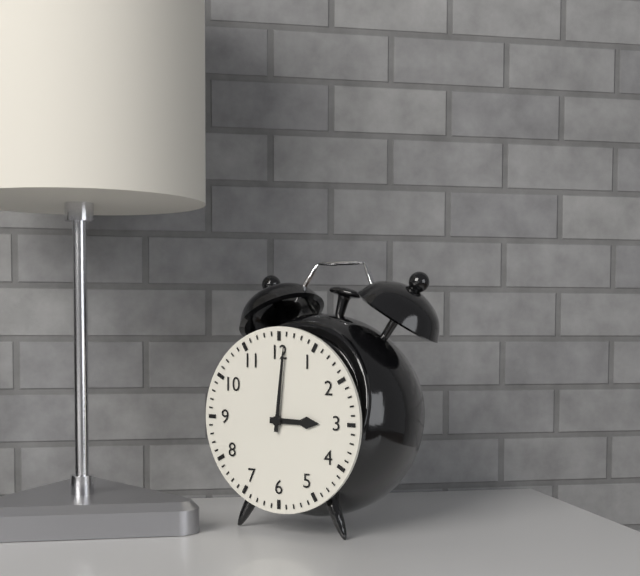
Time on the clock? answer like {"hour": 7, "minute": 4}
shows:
{"hour": 3, "minute": 1}
